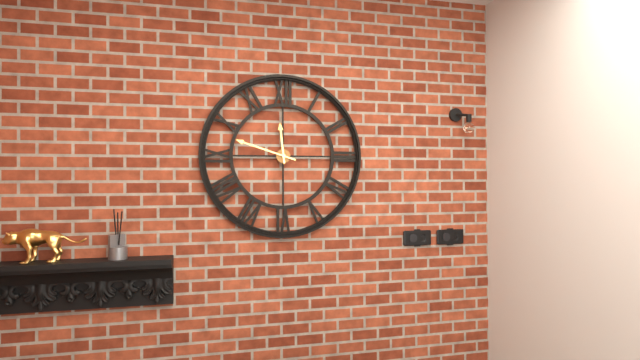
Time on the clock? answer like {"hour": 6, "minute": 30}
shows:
{"hour": 11, "minute": 48}
